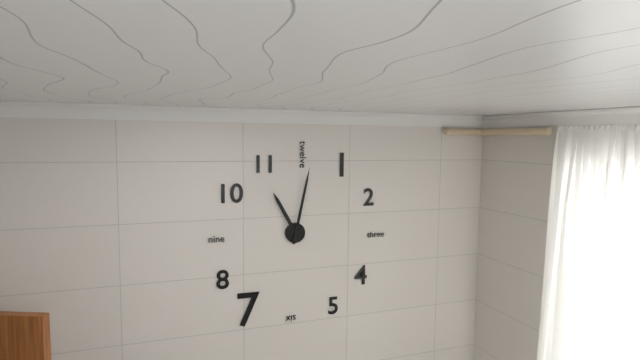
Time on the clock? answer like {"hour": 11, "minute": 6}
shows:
{"hour": 11, "minute": 2}
